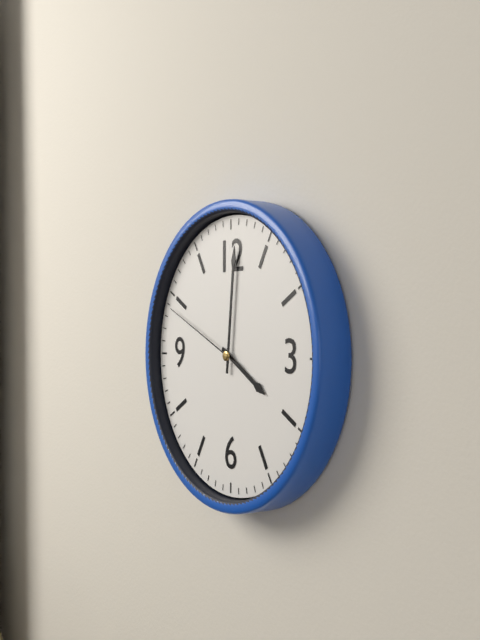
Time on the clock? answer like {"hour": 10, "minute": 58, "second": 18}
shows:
{"hour": 4, "minute": 1, "second": 49}
